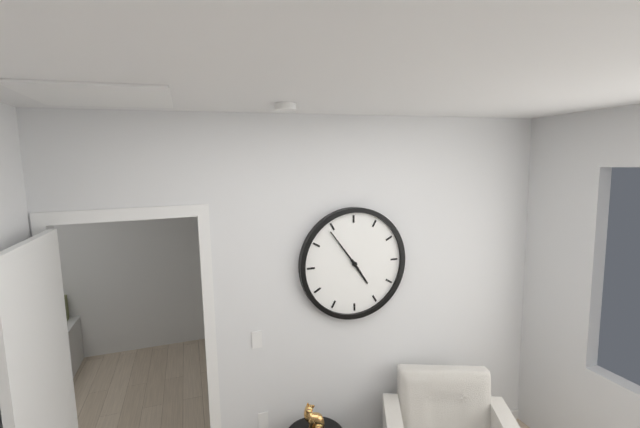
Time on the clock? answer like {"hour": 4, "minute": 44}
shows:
{"hour": 4, "minute": 54}
